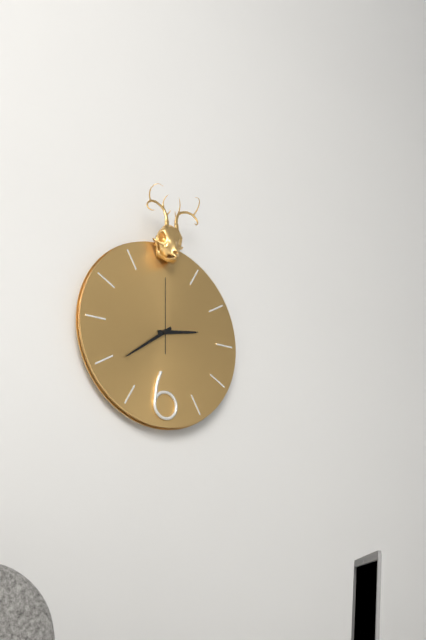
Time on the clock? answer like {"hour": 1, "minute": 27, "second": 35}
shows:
{"hour": 2, "minute": 39, "second": 0}
